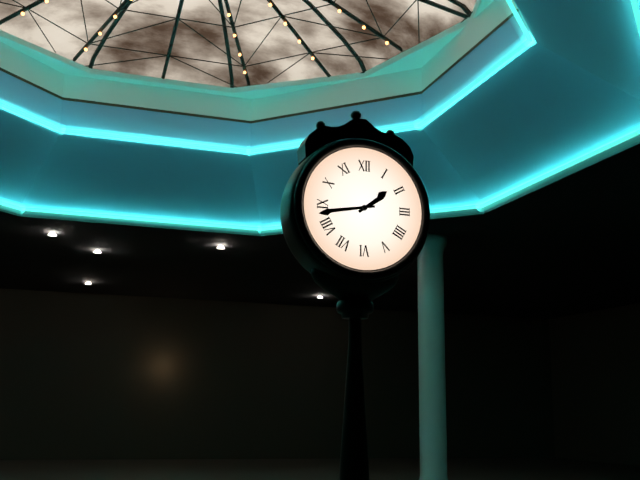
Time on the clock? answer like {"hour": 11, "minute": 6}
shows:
{"hour": 1, "minute": 43}
